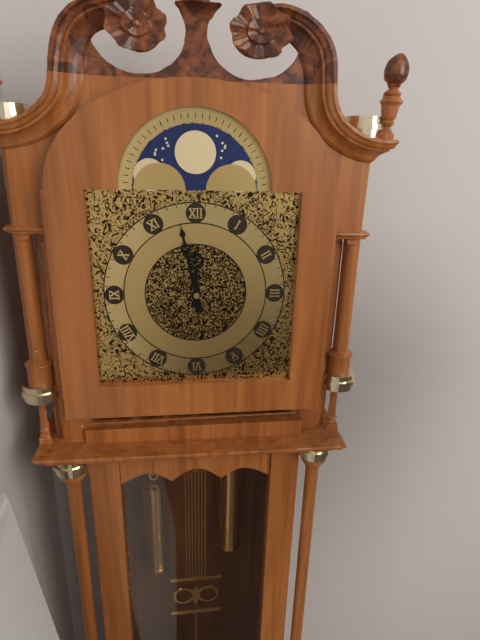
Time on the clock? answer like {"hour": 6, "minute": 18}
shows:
{"hour": 11, "minute": 58}
